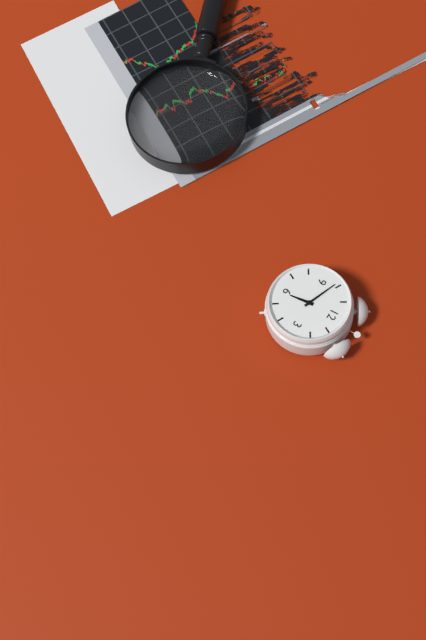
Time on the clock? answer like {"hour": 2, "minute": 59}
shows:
{"hour": 5, "minute": 49}
